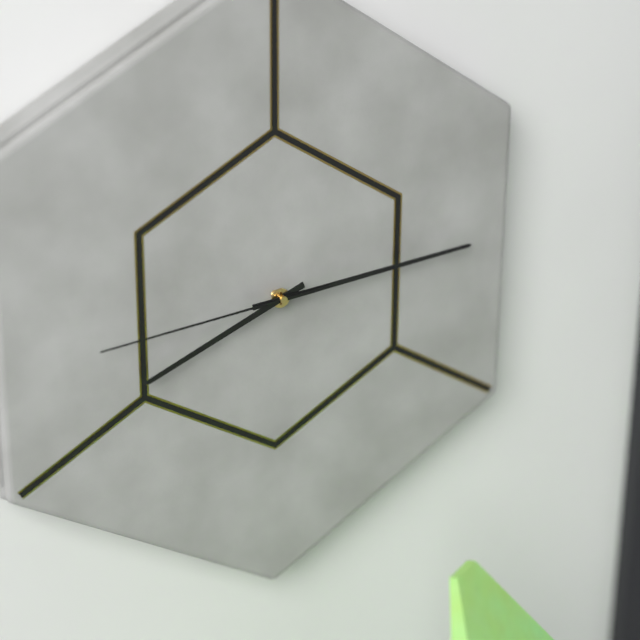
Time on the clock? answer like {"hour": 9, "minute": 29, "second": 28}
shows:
{"hour": 8, "minute": 14, "second": 44}
